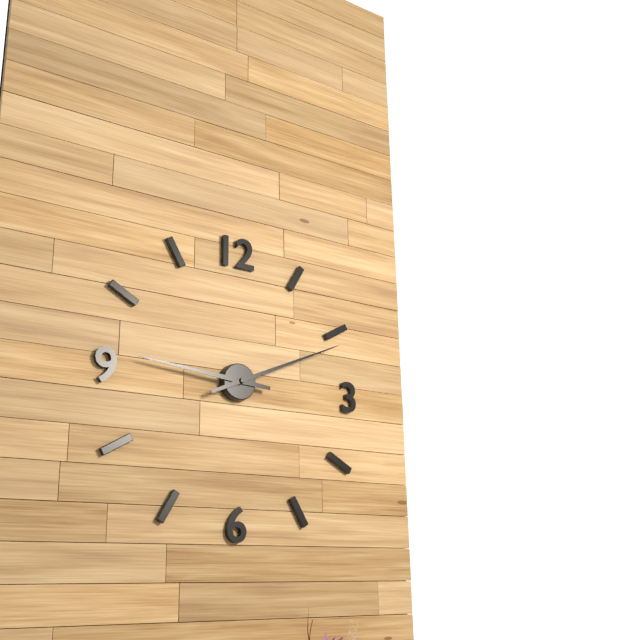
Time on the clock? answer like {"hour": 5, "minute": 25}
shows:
{"hour": 9, "minute": 11}
